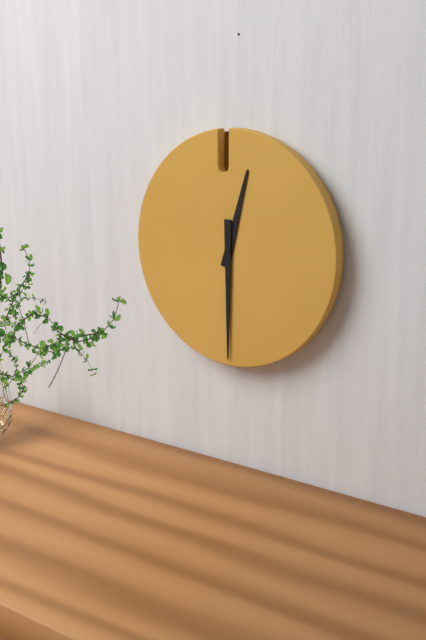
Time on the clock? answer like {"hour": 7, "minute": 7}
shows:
{"hour": 12, "minute": 30}
